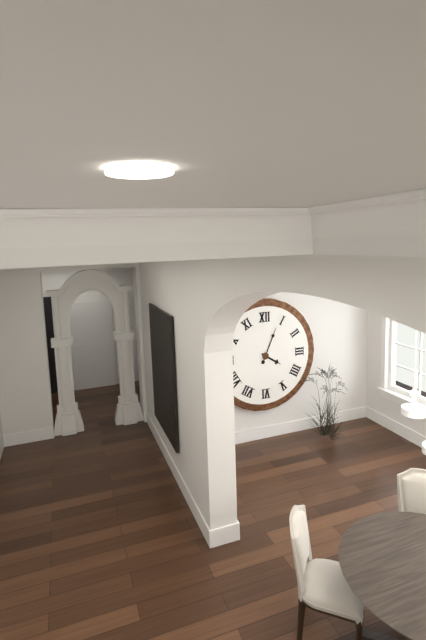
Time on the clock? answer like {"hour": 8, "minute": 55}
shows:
{"hour": 4, "minute": 4}
